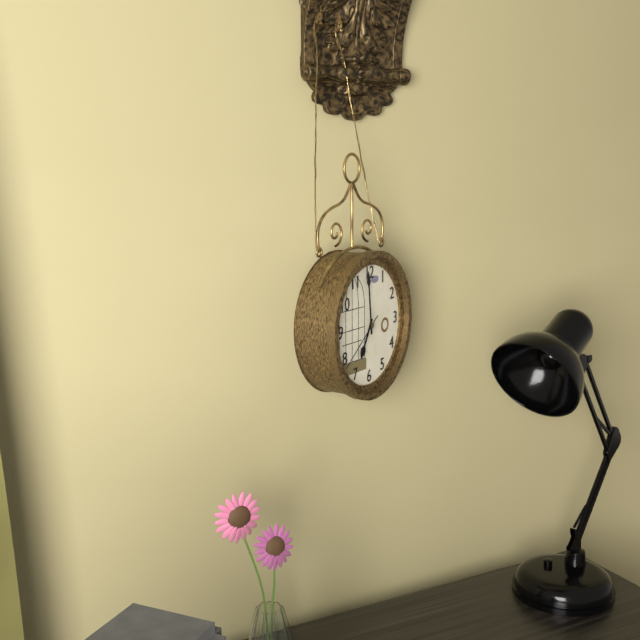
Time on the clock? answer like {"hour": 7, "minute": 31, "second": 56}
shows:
{"hour": 6, "minute": 59, "second": 39}
